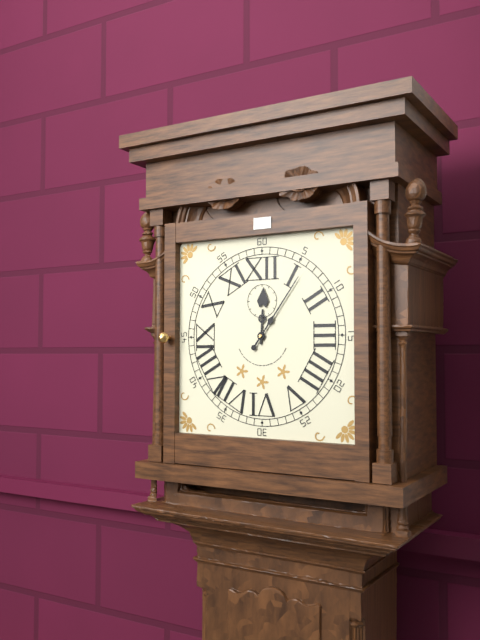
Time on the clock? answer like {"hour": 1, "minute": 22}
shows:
{"hour": 12, "minute": 6}
